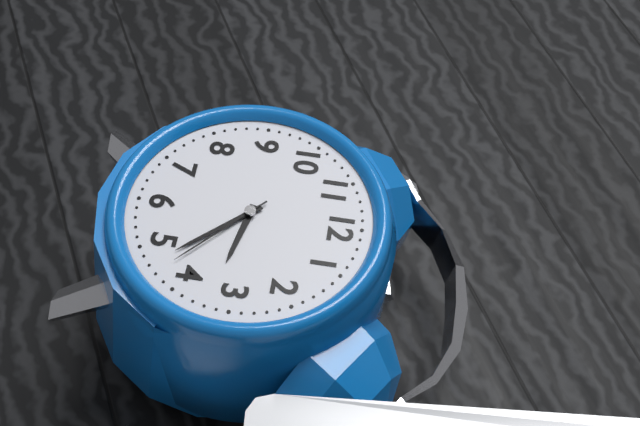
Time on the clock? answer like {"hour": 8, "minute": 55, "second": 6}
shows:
{"hour": 3, "minute": 23, "second": 22}
